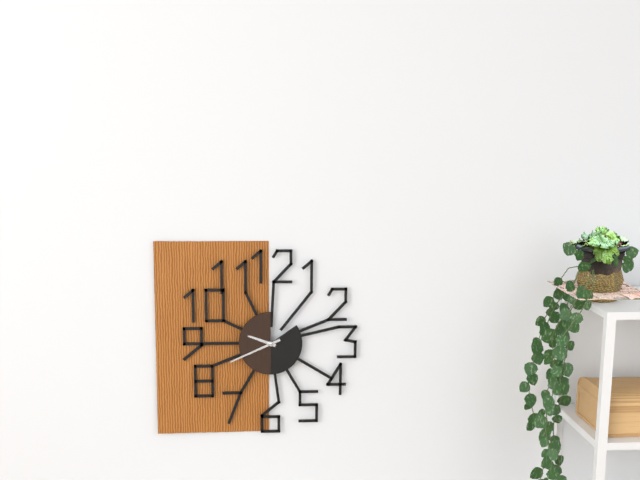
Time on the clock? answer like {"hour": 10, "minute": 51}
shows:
{"hour": 9, "minute": 41}
